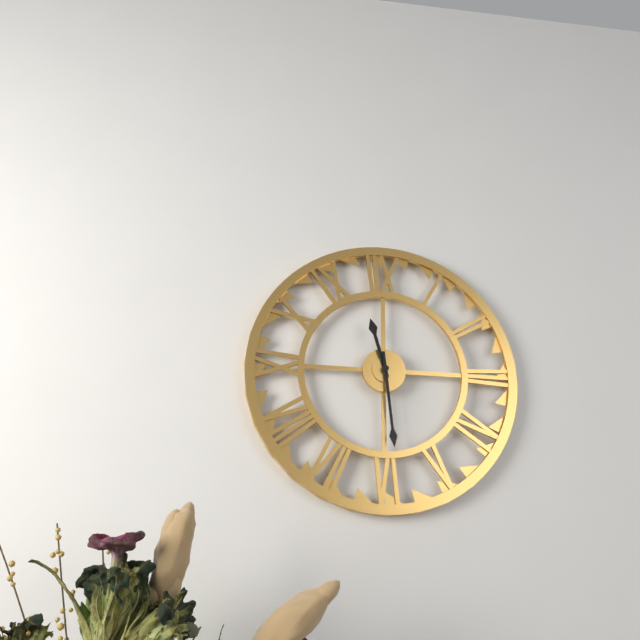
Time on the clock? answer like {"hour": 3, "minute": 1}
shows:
{"hour": 11, "minute": 29}
